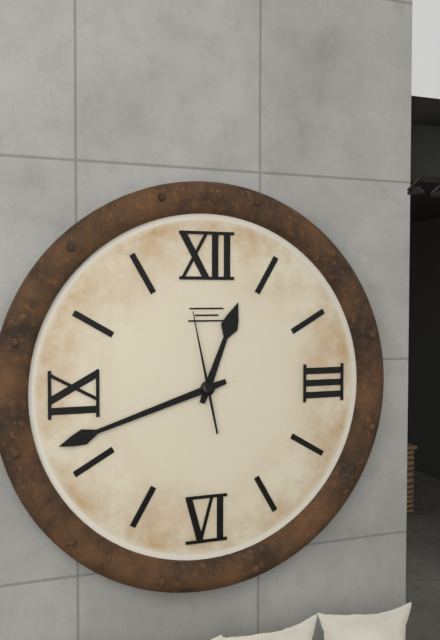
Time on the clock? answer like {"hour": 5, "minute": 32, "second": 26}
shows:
{"hour": 12, "minute": 42, "second": 58}
